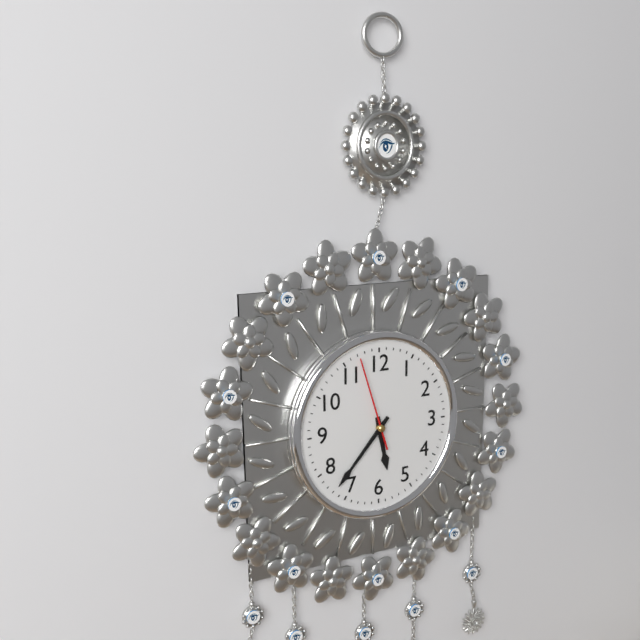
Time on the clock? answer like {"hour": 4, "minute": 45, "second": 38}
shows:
{"hour": 5, "minute": 37, "second": 57}
